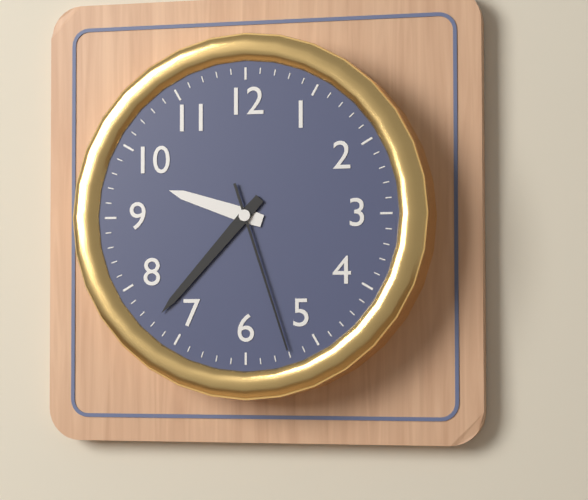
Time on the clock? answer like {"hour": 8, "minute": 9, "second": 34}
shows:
{"hour": 9, "minute": 37, "second": 27}
